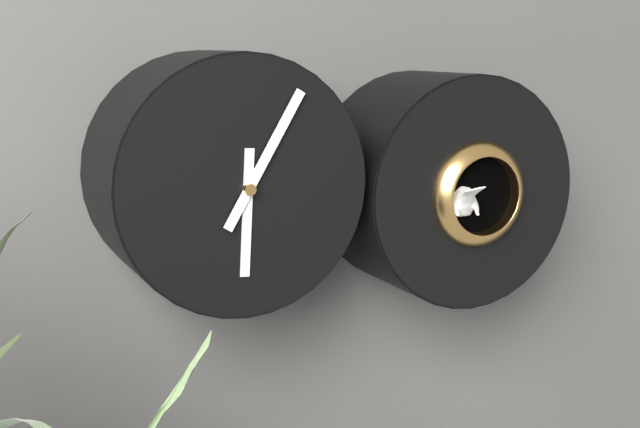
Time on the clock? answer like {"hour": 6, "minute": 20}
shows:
{"hour": 6, "minute": 5}
